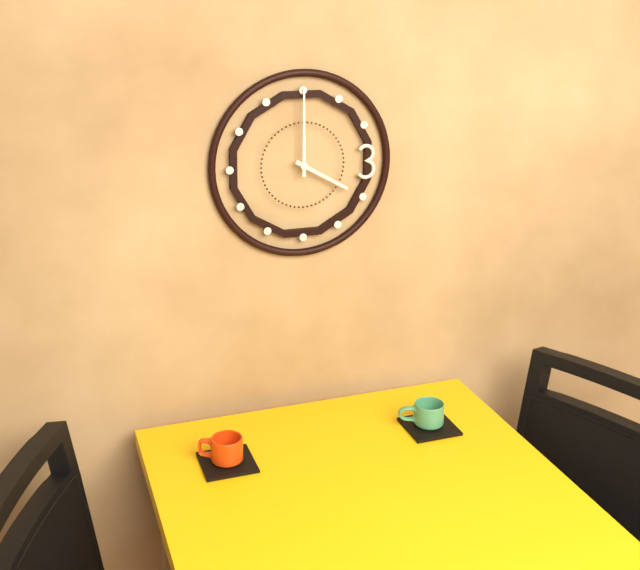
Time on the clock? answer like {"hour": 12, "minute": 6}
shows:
{"hour": 4, "minute": 0}
